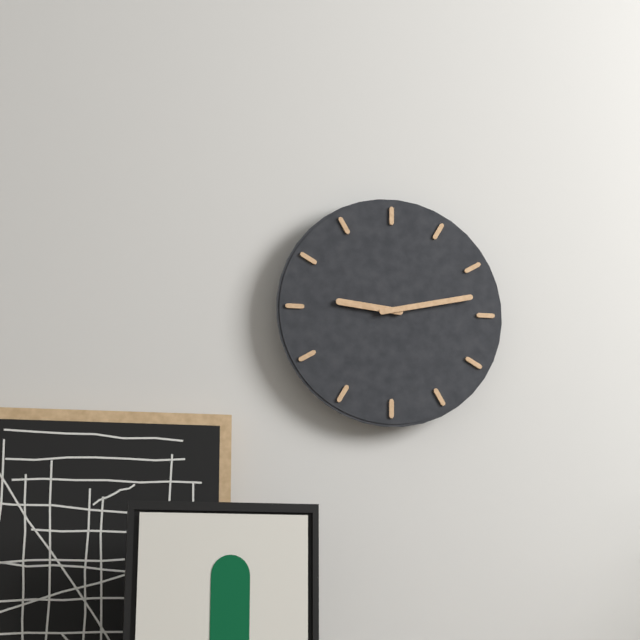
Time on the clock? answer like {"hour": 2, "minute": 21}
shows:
{"hour": 9, "minute": 13}
